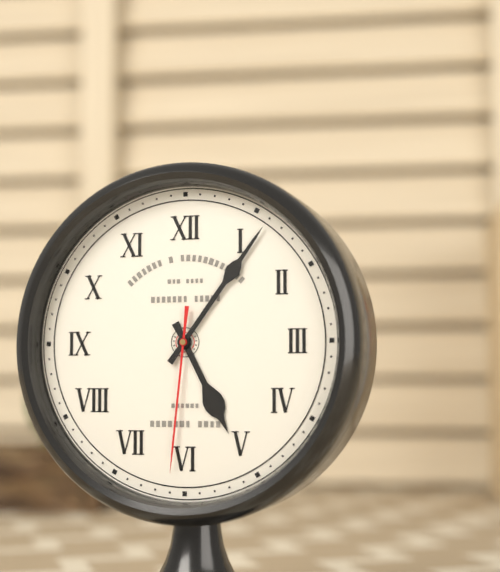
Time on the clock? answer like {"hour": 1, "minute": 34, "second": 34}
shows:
{"hour": 5, "minute": 6, "second": 31}
